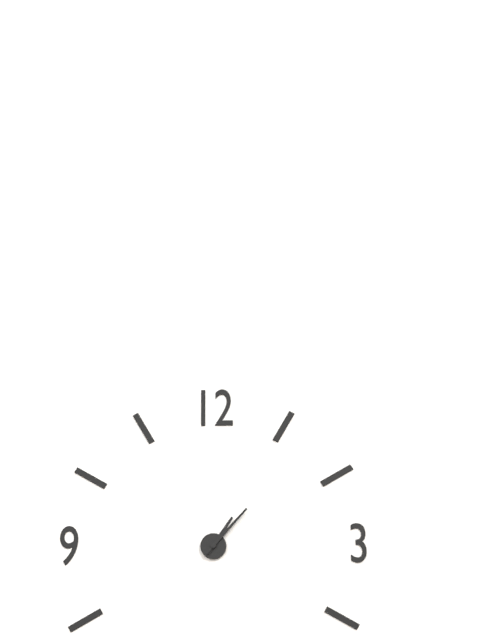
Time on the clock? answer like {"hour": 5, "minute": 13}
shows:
{"hour": 1, "minute": 7}
